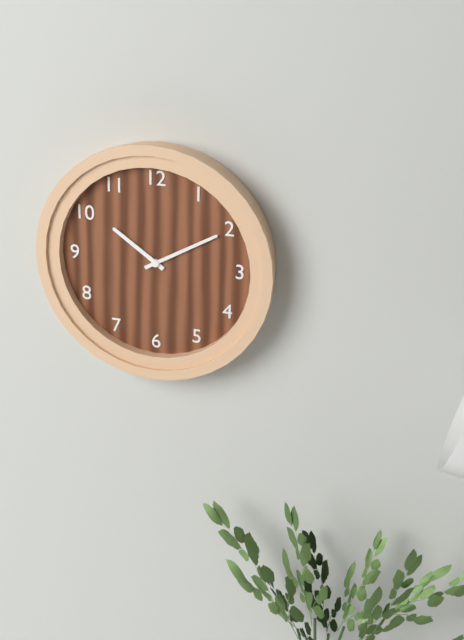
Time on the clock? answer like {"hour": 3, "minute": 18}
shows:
{"hour": 10, "minute": 10}
